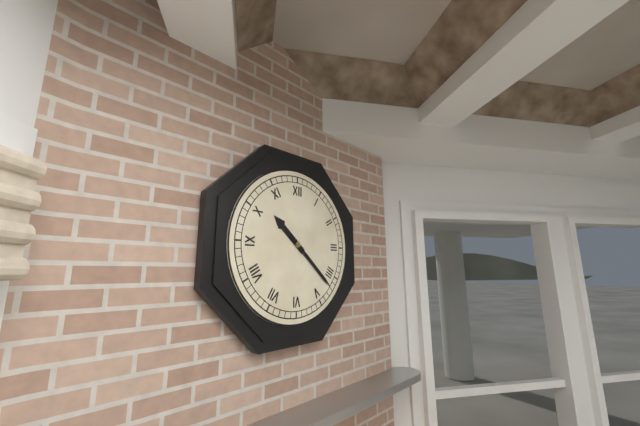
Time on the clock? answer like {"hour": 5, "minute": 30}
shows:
{"hour": 10, "minute": 22}
